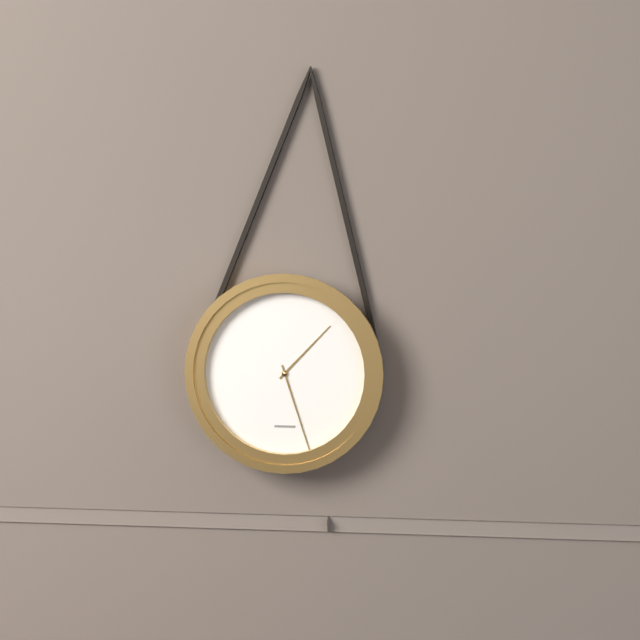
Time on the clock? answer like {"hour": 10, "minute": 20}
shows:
{"hour": 1, "minute": 27}
